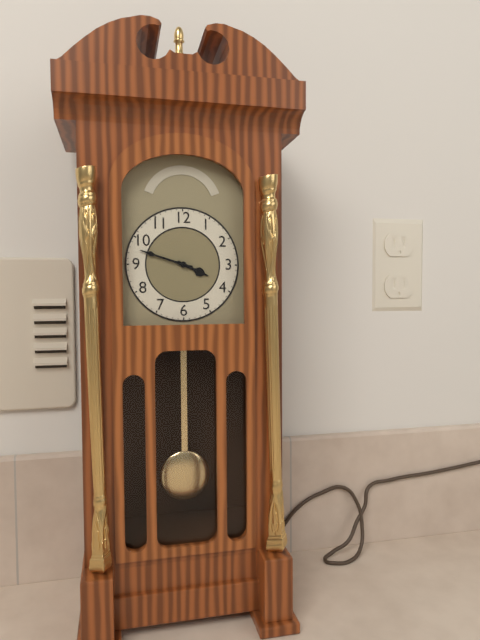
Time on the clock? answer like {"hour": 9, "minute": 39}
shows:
{"hour": 3, "minute": 48}
